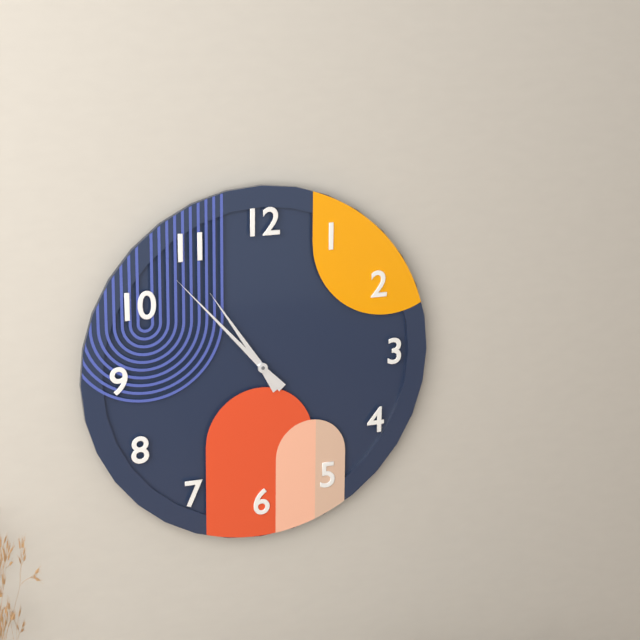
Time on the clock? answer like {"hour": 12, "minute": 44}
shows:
{"hour": 10, "minute": 53}
